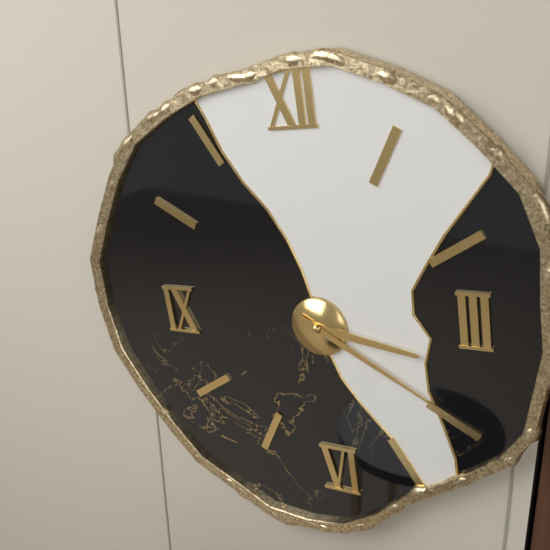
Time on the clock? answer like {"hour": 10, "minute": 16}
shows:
{"hour": 3, "minute": 20}
